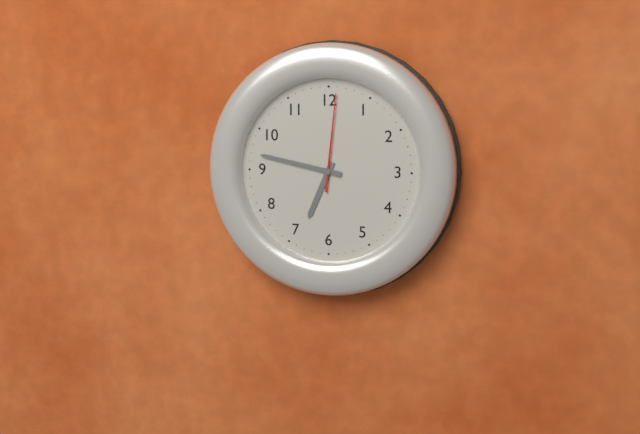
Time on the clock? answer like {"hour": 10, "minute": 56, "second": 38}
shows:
{"hour": 6, "minute": 47, "second": 1}
